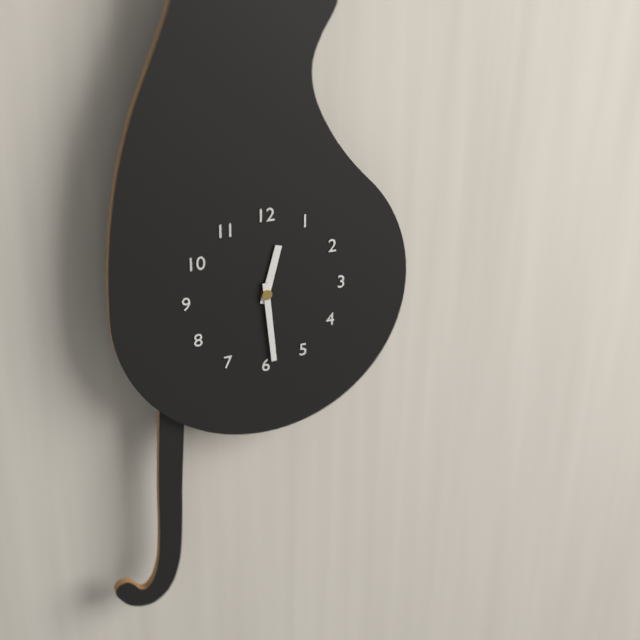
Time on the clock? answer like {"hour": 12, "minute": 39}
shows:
{"hour": 12, "minute": 29}
